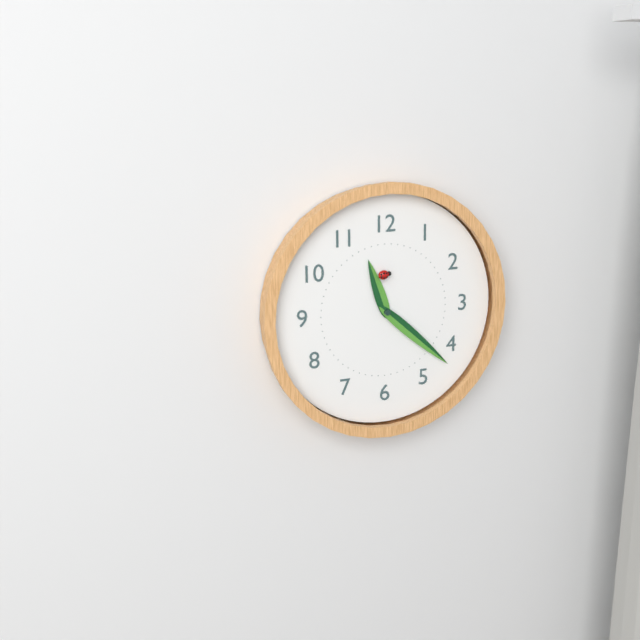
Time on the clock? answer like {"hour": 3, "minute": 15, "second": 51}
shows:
{"hour": 11, "minute": 22, "second": 59}
